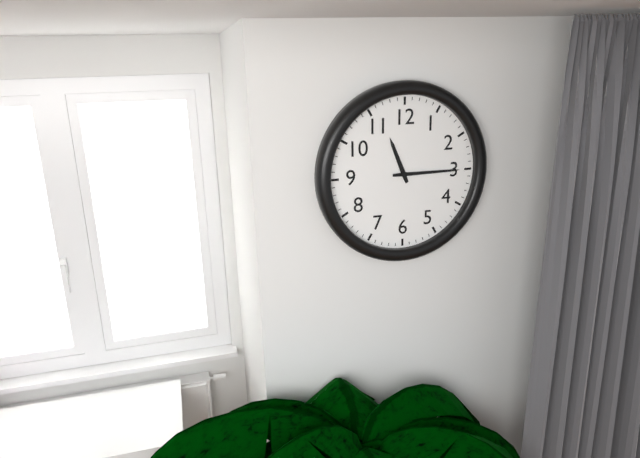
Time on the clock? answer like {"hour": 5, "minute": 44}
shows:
{"hour": 11, "minute": 15}
